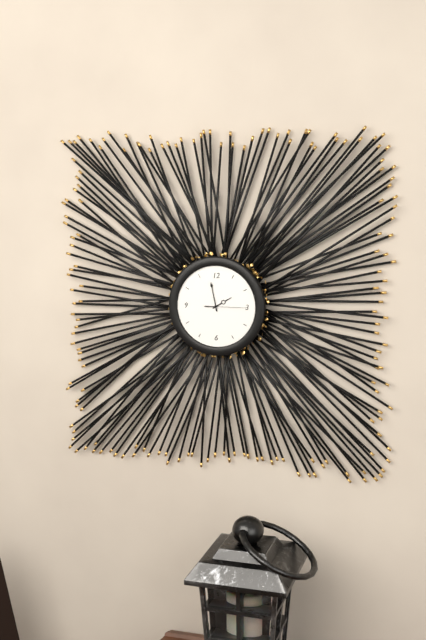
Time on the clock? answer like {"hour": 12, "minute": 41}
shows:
{"hour": 1, "minute": 58}
